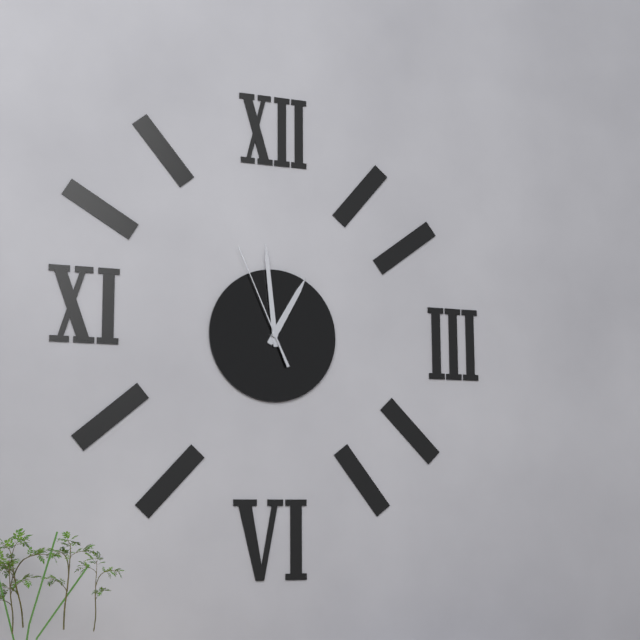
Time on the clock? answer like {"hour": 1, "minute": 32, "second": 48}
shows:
{"hour": 12, "minute": 59, "second": 56}
